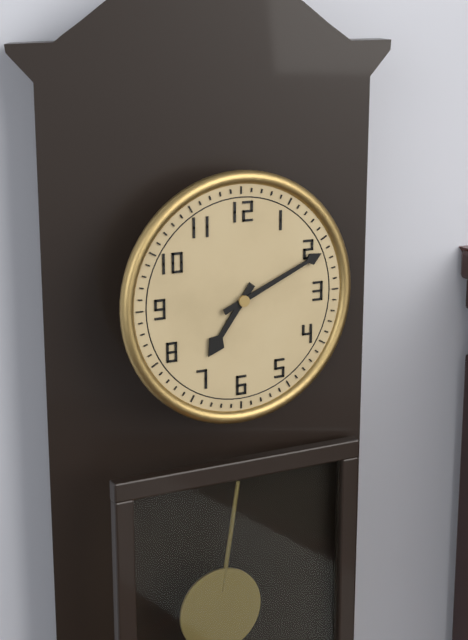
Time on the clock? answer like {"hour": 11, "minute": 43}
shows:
{"hour": 7, "minute": 11}
